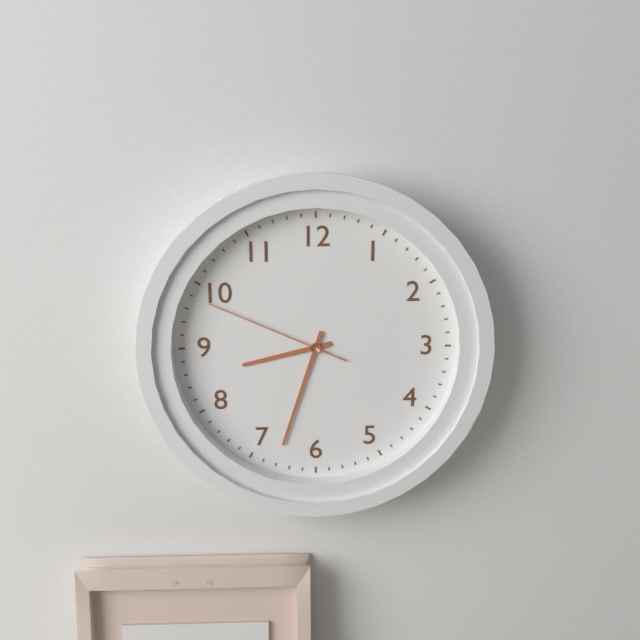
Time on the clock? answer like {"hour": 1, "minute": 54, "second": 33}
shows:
{"hour": 8, "minute": 33, "second": 49}
